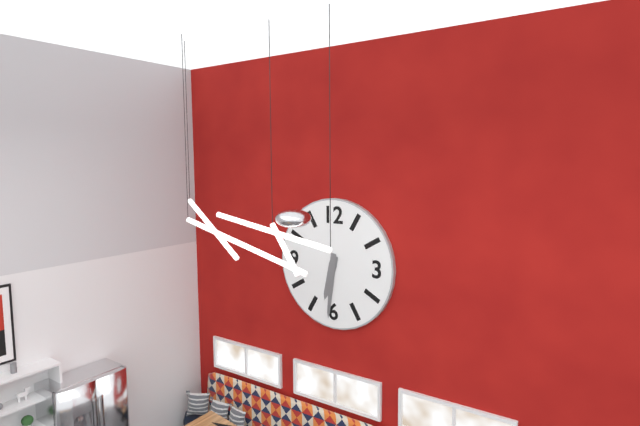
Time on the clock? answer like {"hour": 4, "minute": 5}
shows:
{"hour": 6, "minute": 31}
